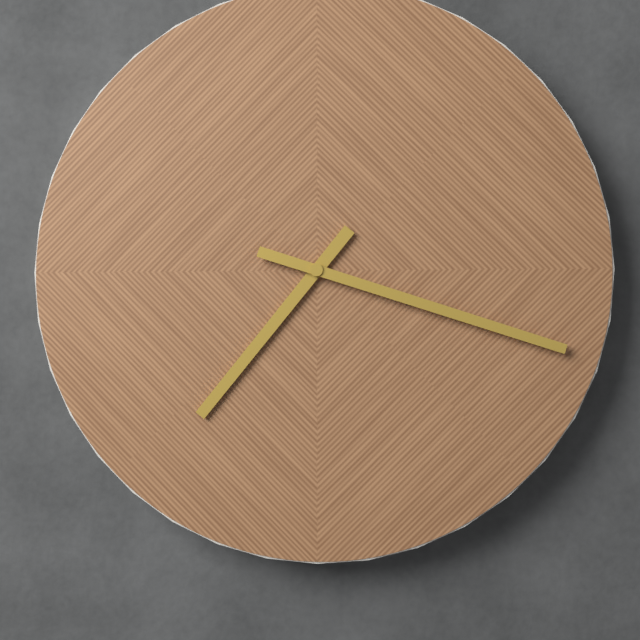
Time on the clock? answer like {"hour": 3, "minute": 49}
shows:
{"hour": 7, "minute": 18}
